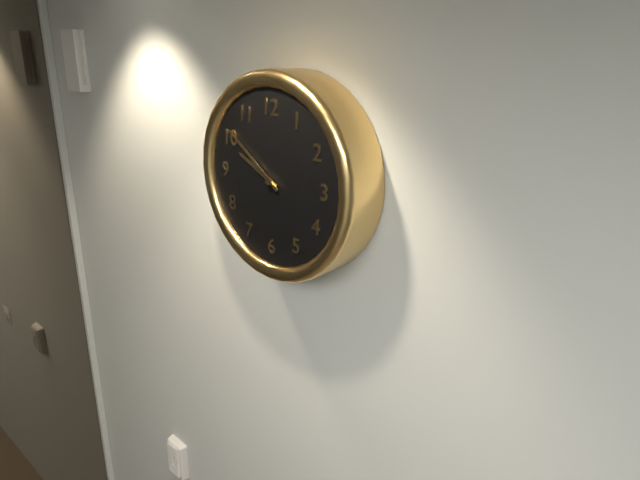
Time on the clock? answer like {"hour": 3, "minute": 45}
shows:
{"hour": 9, "minute": 51}
